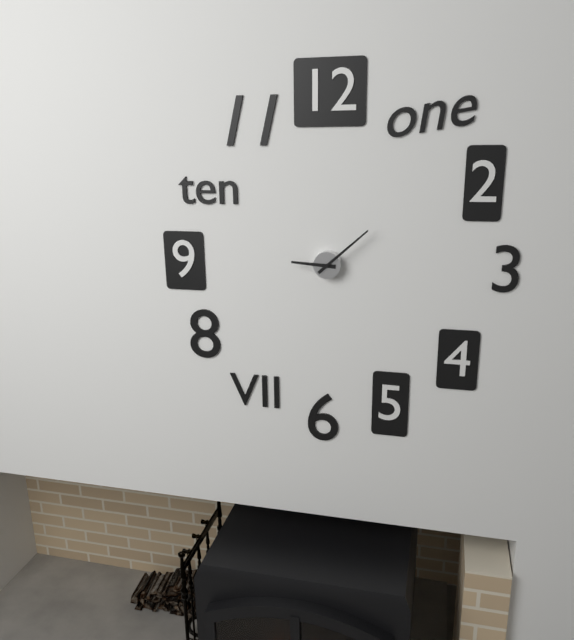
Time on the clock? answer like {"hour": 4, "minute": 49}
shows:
{"hour": 9, "minute": 8}
